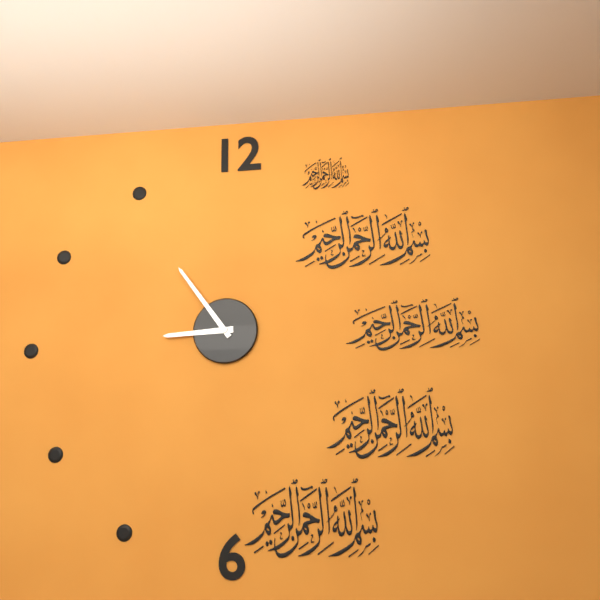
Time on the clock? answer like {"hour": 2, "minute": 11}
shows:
{"hour": 8, "minute": 54}
